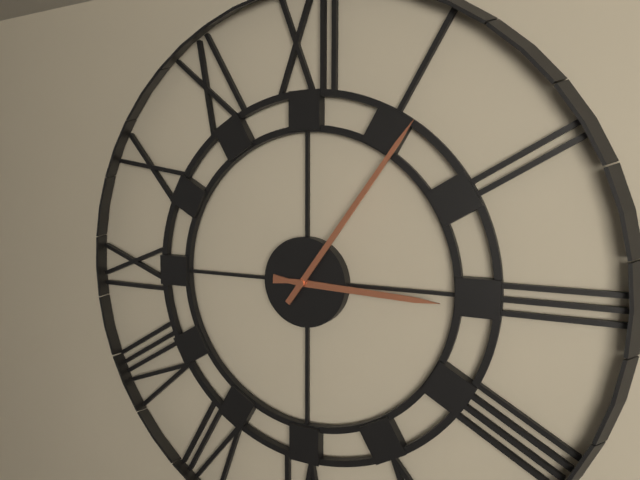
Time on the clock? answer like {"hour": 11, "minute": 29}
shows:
{"hour": 3, "minute": 6}
